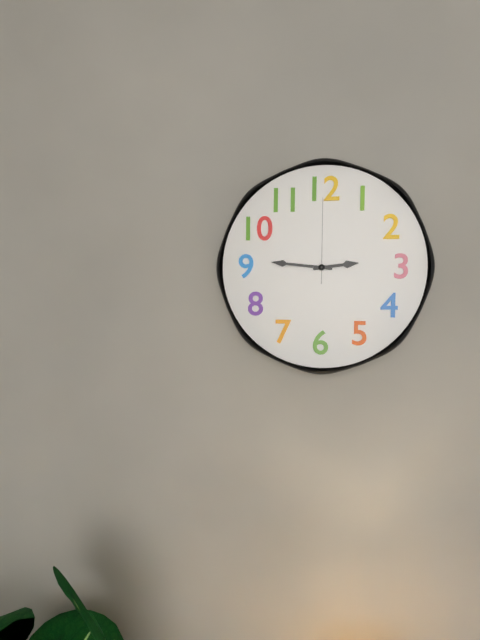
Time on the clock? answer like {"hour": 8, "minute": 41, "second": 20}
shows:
{"hour": 2, "minute": 46, "second": 0}
